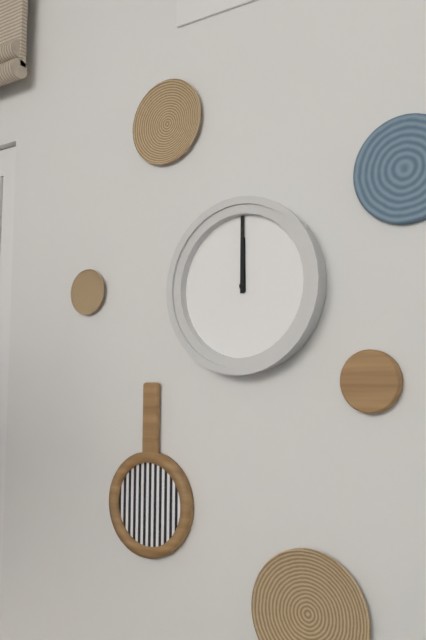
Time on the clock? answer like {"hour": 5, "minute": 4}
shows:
{"hour": 12, "minute": 0}
